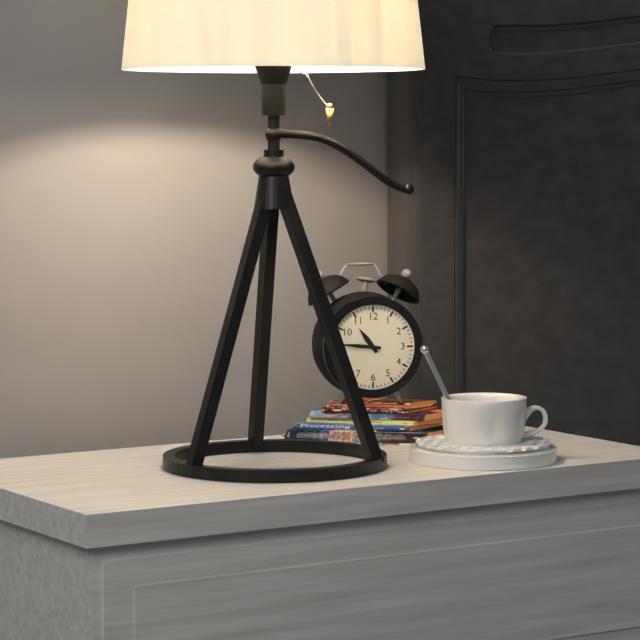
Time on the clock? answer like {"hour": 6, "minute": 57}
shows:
{"hour": 10, "minute": 46}
